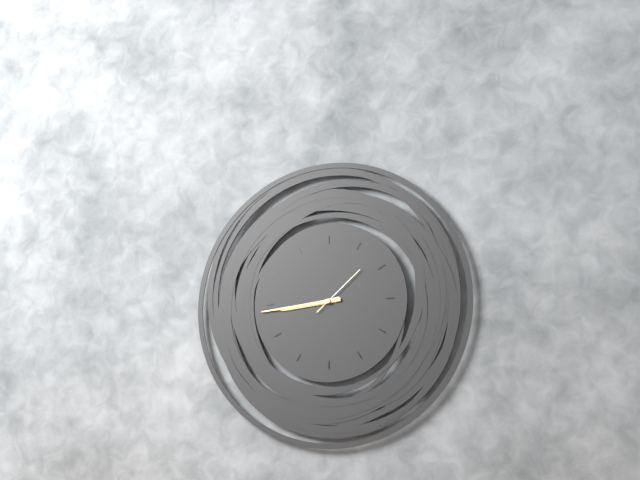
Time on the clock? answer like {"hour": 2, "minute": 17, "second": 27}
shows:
{"hour": 8, "minute": 44, "second": 8}
